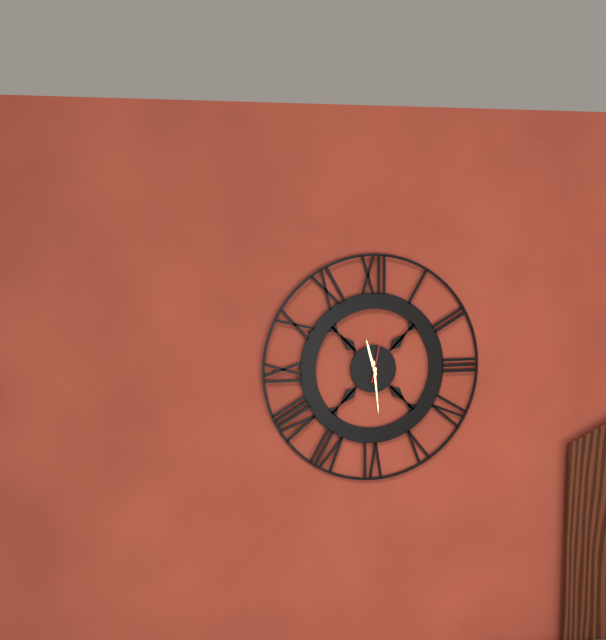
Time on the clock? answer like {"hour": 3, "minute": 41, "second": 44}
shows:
{"hour": 11, "minute": 29, "second": 2}
